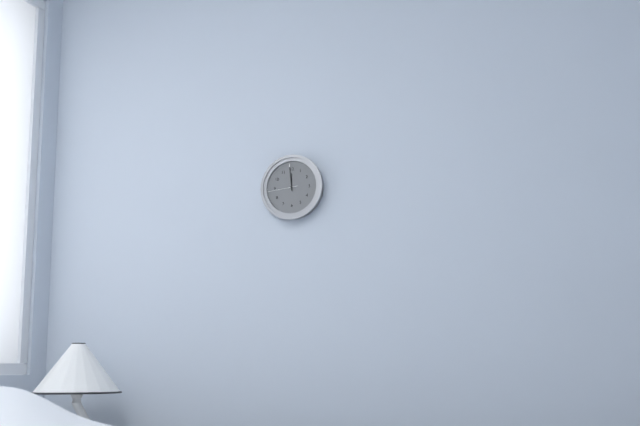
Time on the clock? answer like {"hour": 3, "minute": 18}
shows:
{"hour": 11, "minute": 59}
